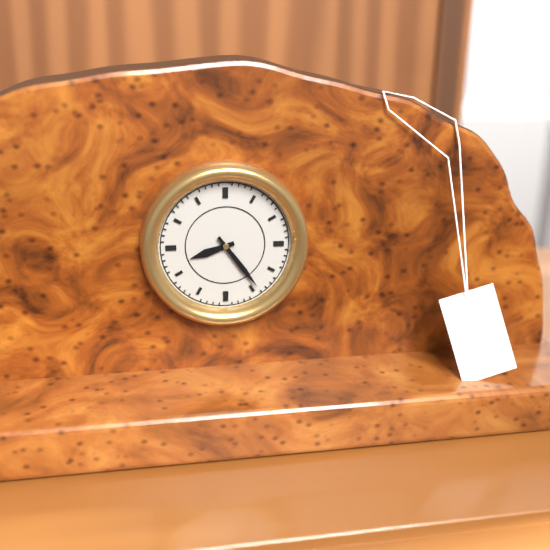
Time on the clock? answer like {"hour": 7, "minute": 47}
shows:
{"hour": 8, "minute": 24}
